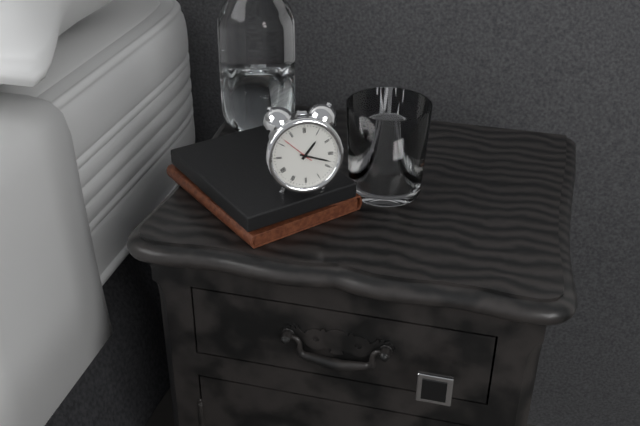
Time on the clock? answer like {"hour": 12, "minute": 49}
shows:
{"hour": 1, "minute": 18}
